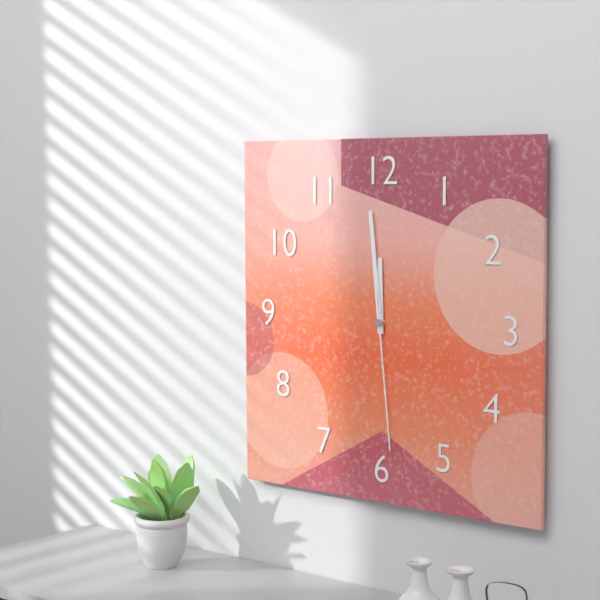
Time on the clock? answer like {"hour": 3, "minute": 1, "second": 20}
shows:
{"hour": 11, "minute": 59, "second": 29}
